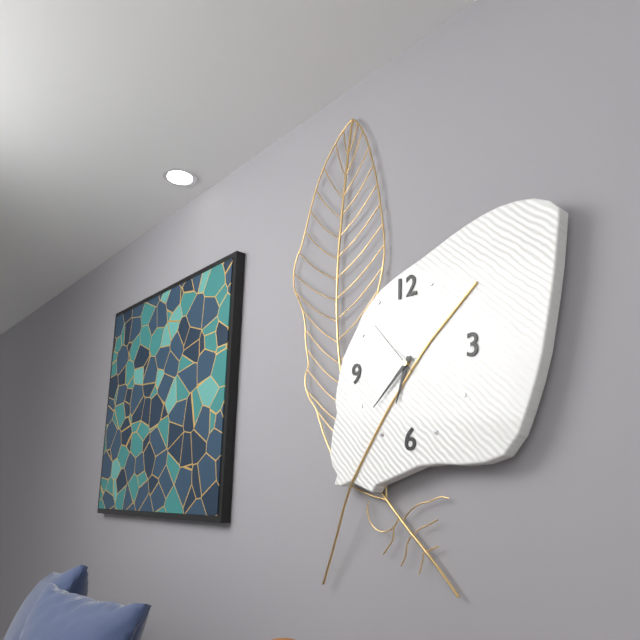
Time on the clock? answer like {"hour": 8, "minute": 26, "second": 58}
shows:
{"hour": 6, "minute": 38, "second": 53}
